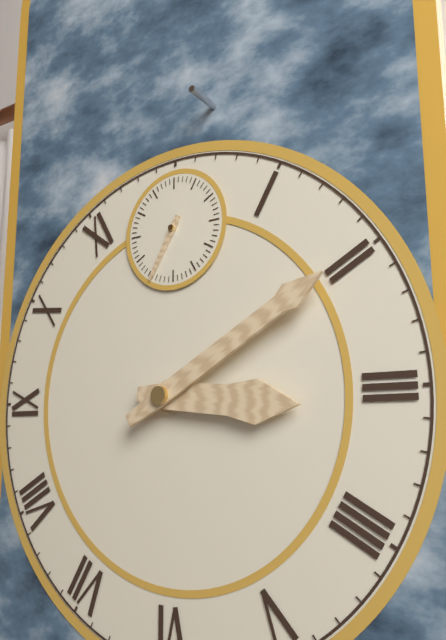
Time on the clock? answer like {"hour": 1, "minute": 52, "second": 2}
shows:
{"hour": 3, "minute": 10, "second": 35}
